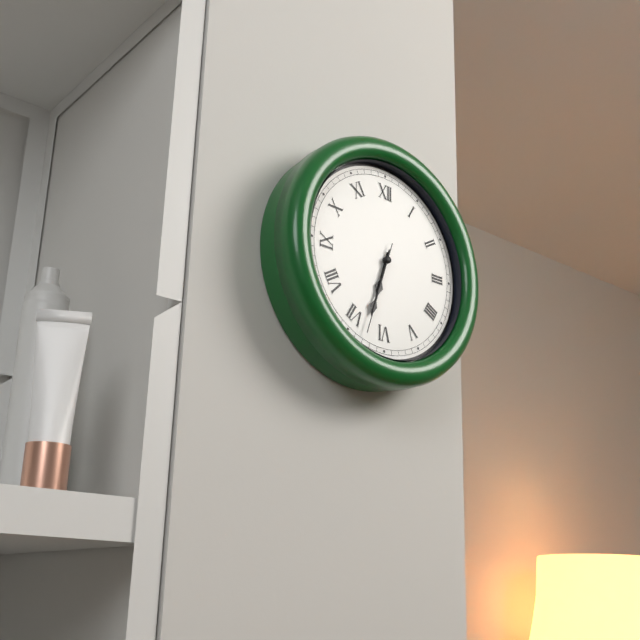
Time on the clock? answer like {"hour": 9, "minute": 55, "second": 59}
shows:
{"hour": 6, "minute": 33, "second": 33}
